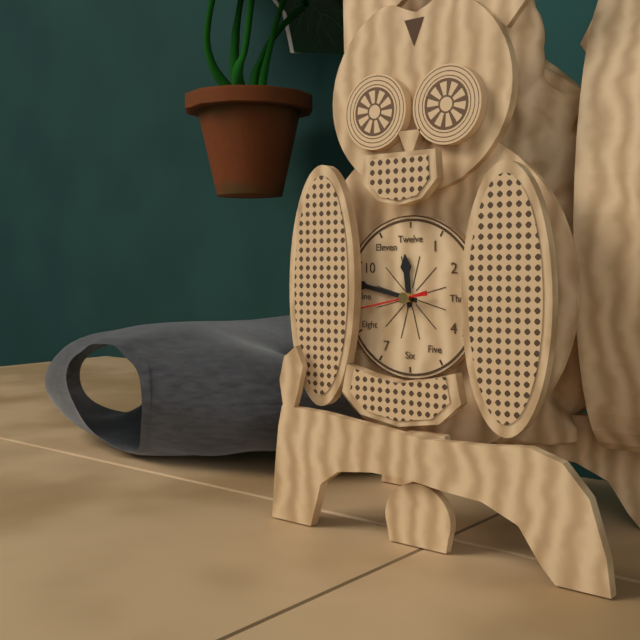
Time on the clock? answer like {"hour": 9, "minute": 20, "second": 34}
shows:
{"hour": 11, "minute": 47, "second": 43}
